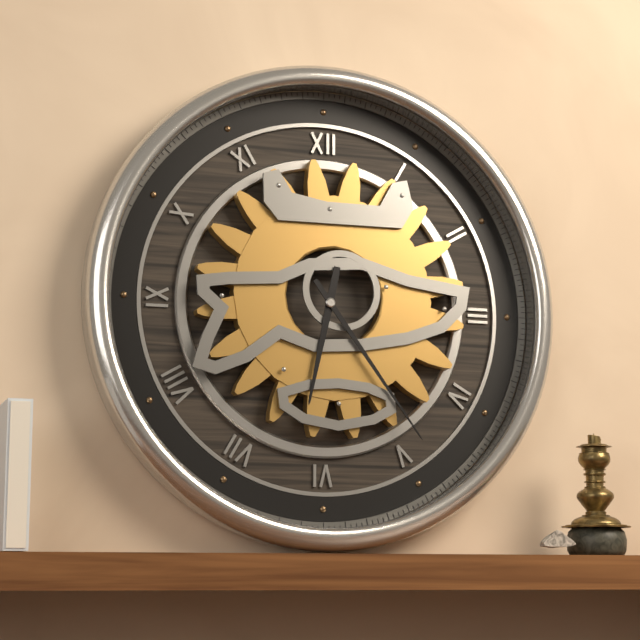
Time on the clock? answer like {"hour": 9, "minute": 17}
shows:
{"hour": 6, "minute": 24}
